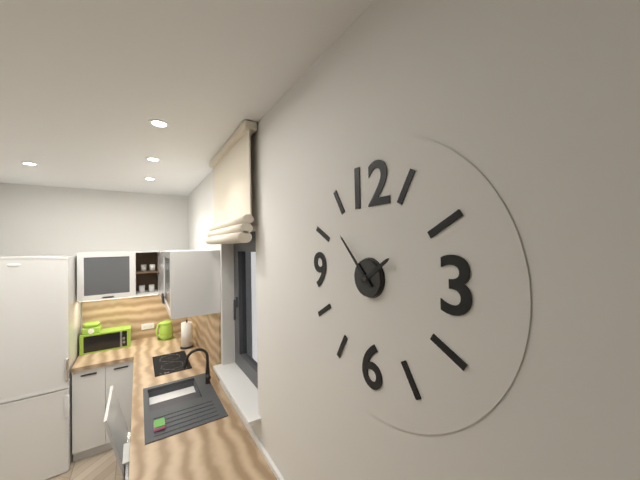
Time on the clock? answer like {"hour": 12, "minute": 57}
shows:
{"hour": 1, "minute": 53}
